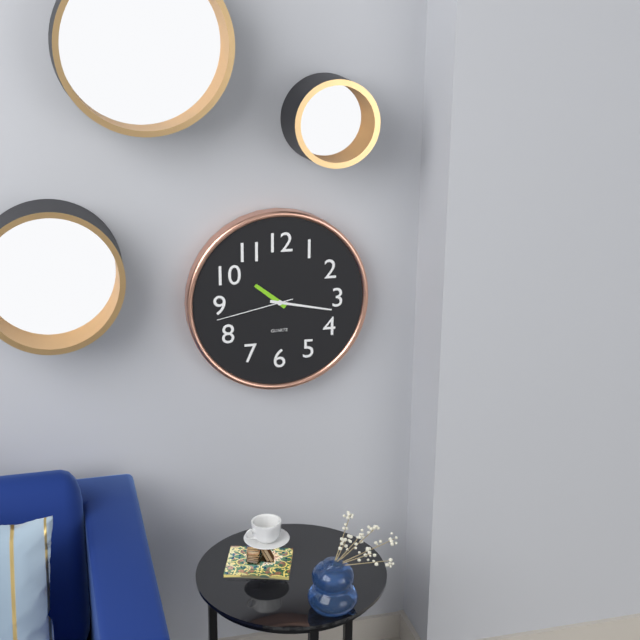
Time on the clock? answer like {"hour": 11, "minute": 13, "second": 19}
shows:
{"hour": 10, "minute": 17, "second": 43}
